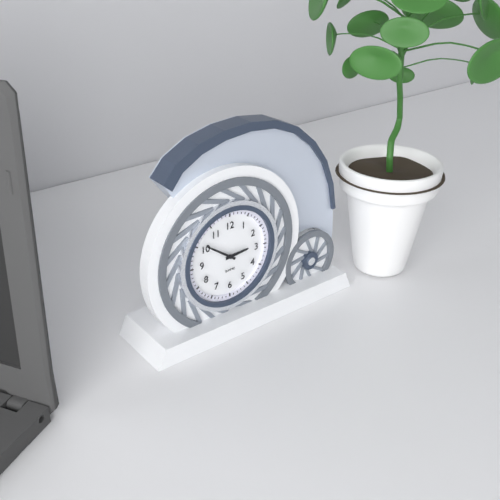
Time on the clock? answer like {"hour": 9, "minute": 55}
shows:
{"hour": 2, "minute": 51}
